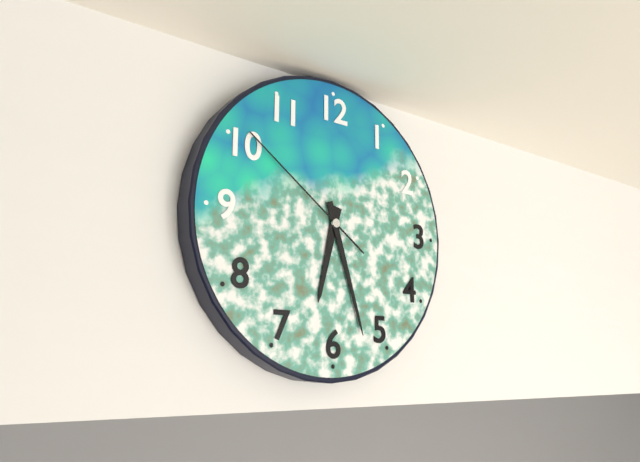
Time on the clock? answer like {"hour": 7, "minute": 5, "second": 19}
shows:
{"hour": 6, "minute": 27, "second": 51}
